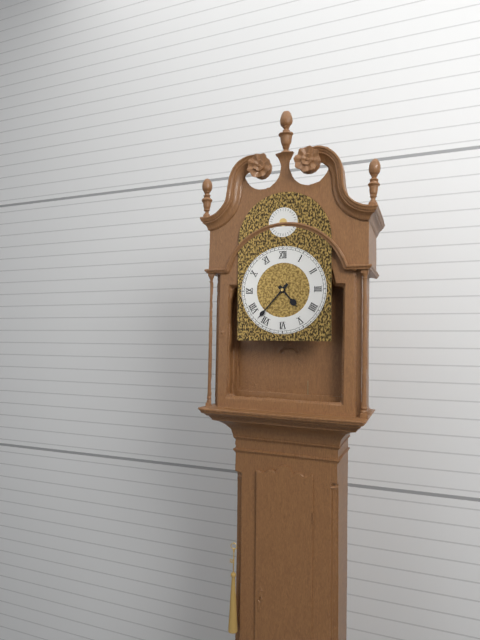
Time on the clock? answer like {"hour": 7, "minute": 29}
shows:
{"hour": 4, "minute": 37}
